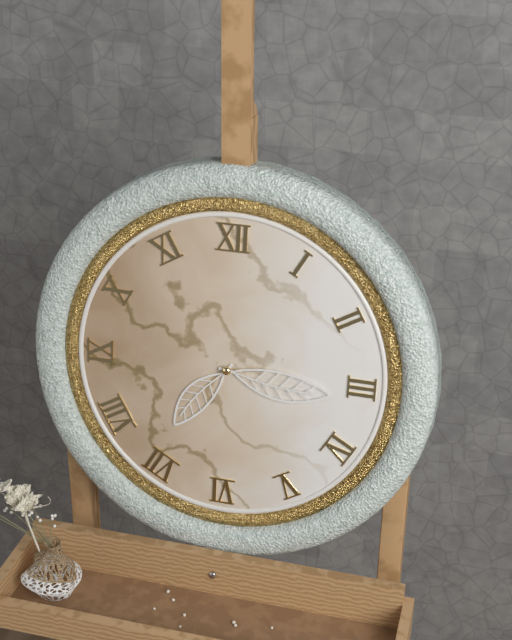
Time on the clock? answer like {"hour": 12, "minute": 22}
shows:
{"hour": 7, "minute": 16}
